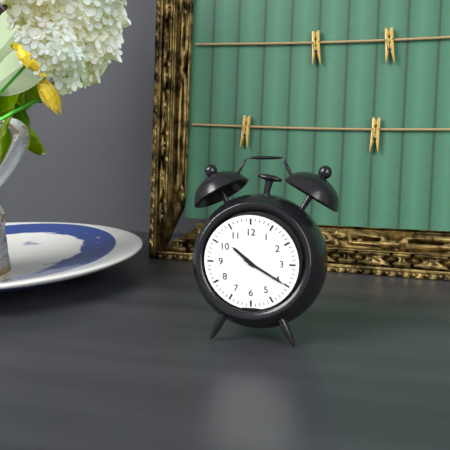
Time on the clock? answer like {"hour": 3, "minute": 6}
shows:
{"hour": 10, "minute": 20}
